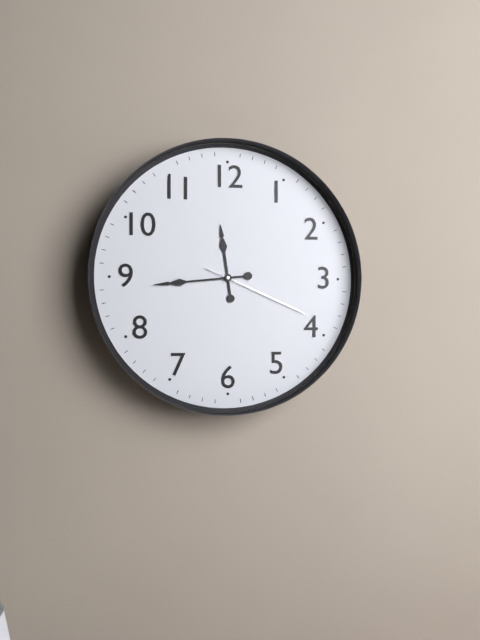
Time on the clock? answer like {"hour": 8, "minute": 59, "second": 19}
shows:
{"hour": 11, "minute": 44, "second": 19}
